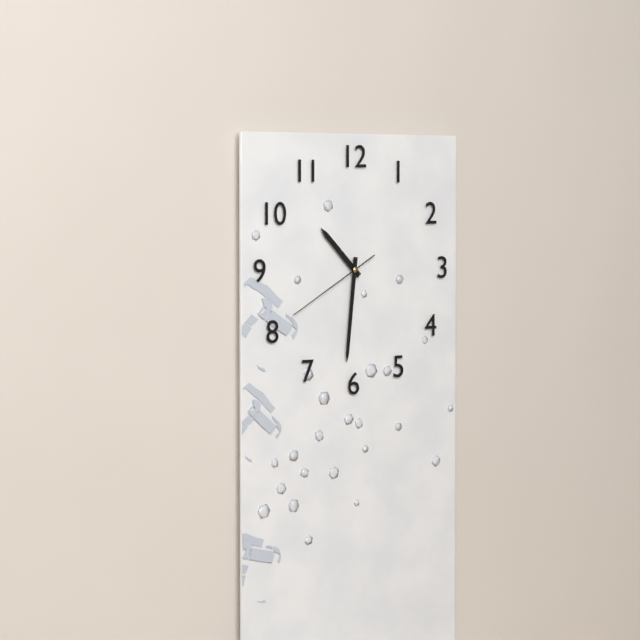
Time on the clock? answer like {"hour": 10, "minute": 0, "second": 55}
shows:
{"hour": 10, "minute": 31, "second": 40}
